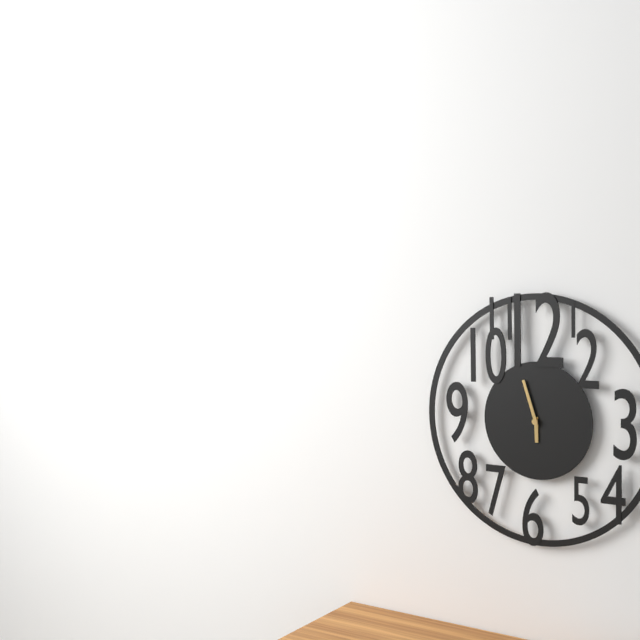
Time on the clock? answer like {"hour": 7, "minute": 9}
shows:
{"hour": 5, "minute": 57}
